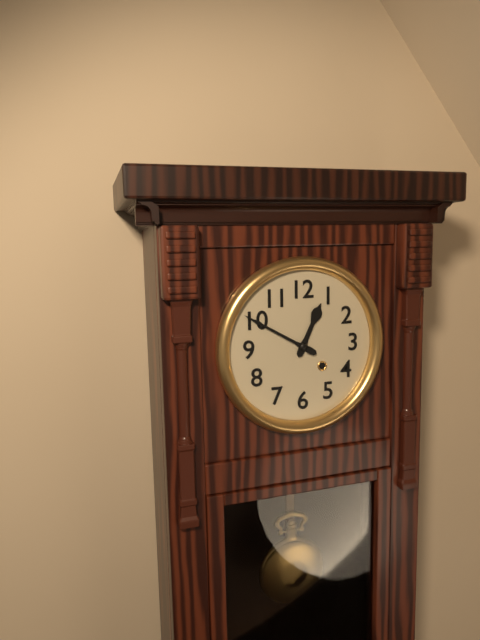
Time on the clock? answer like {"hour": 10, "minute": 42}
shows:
{"hour": 12, "minute": 50}
